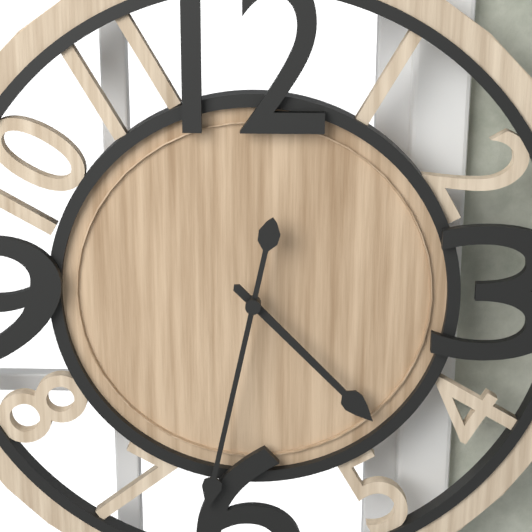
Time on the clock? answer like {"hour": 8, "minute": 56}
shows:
{"hour": 4, "minute": 32}
